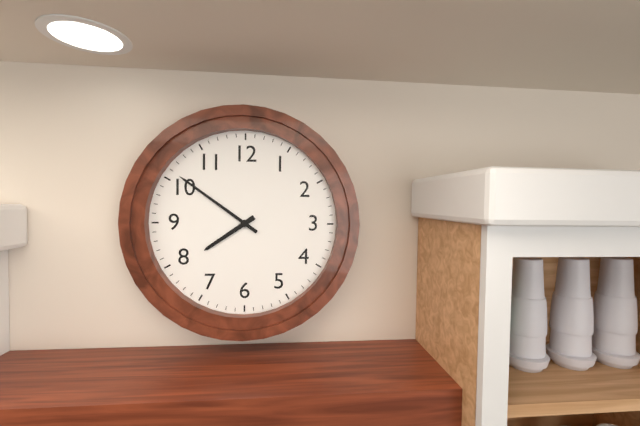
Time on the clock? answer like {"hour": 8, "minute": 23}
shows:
{"hour": 7, "minute": 51}
